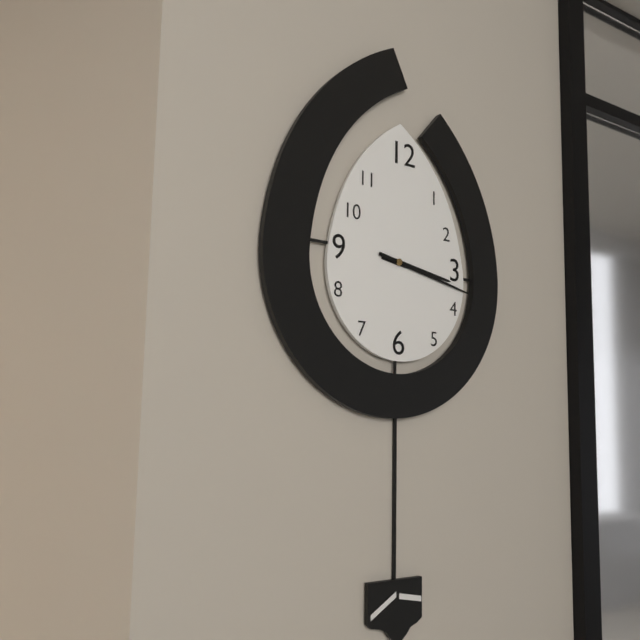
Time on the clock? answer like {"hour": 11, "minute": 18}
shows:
{"hour": 3, "minute": 17}
